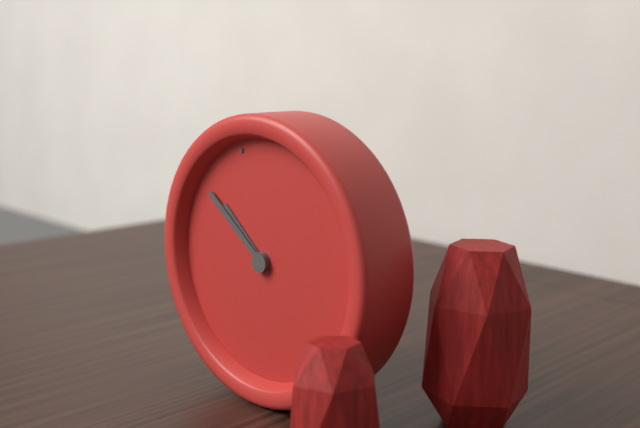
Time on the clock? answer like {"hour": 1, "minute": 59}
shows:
{"hour": 10, "minute": 54}
